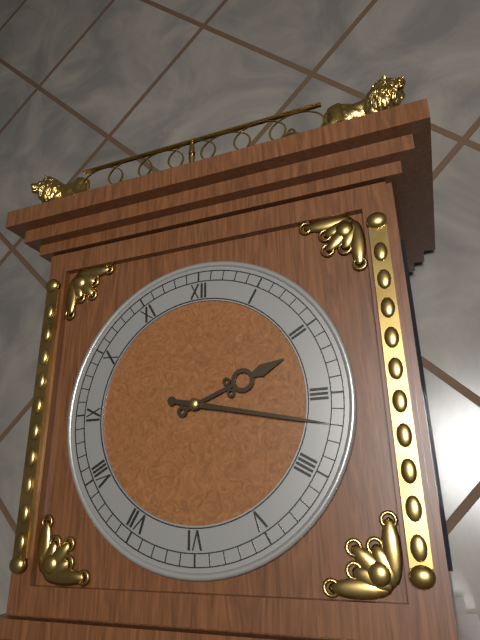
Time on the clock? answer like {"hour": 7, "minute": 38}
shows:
{"hour": 2, "minute": 17}
